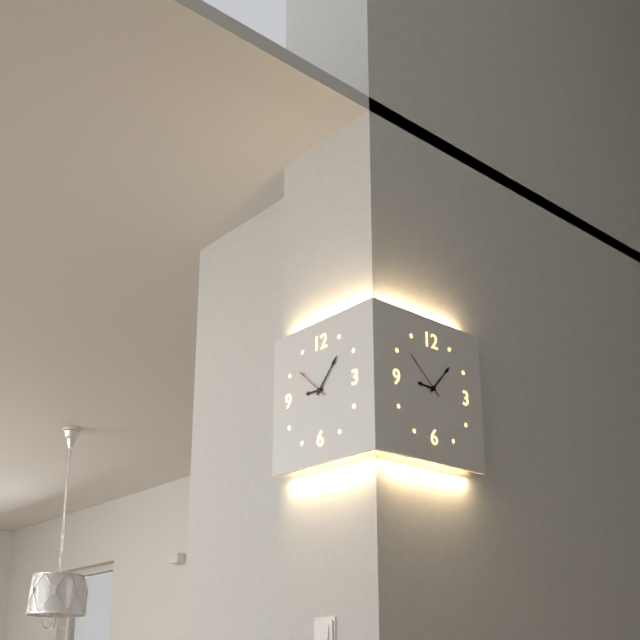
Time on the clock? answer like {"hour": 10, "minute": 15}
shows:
{"hour": 9, "minute": 7}
